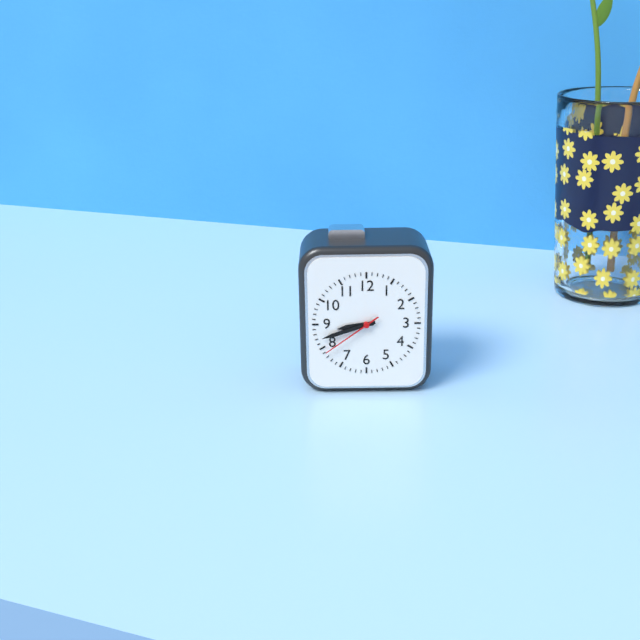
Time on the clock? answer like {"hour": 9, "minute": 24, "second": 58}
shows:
{"hour": 8, "minute": 42, "second": 39}
